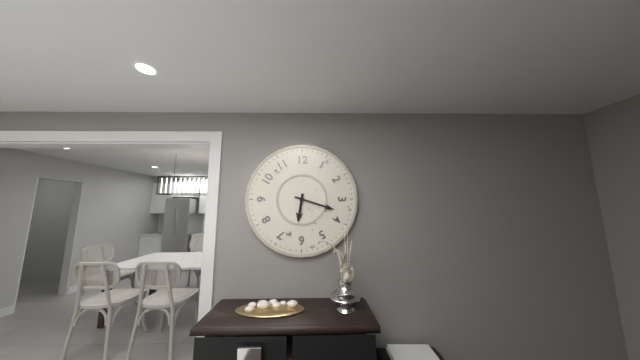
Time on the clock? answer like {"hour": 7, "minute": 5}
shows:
{"hour": 6, "minute": 18}
